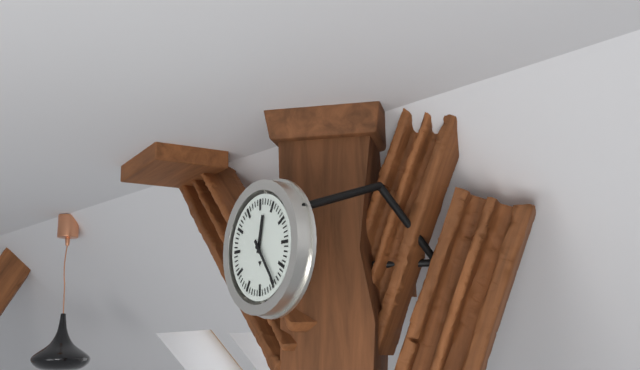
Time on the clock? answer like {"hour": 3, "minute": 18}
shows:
{"hour": 12, "minute": 24}
